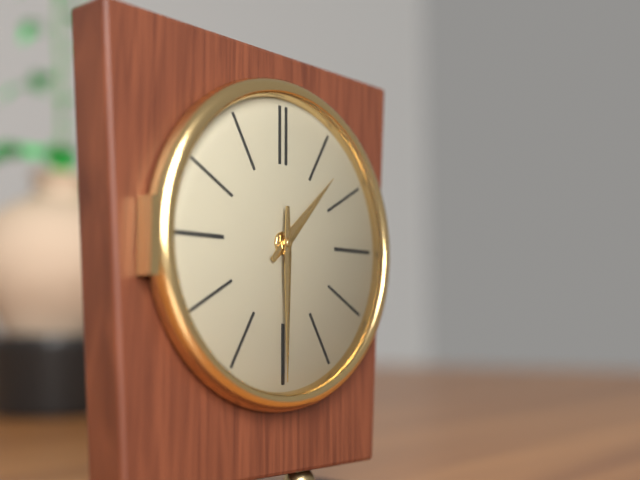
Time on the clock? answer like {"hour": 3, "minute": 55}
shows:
{"hour": 1, "minute": 30}
